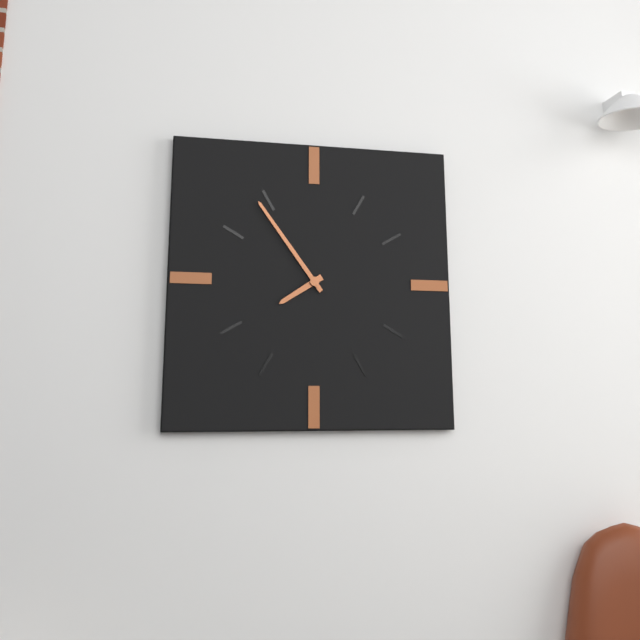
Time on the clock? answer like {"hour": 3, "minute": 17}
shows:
{"hour": 7, "minute": 54}
